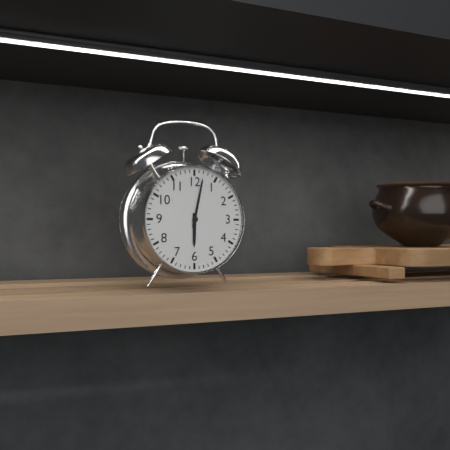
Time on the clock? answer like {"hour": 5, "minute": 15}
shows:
{"hour": 6, "minute": 2}
